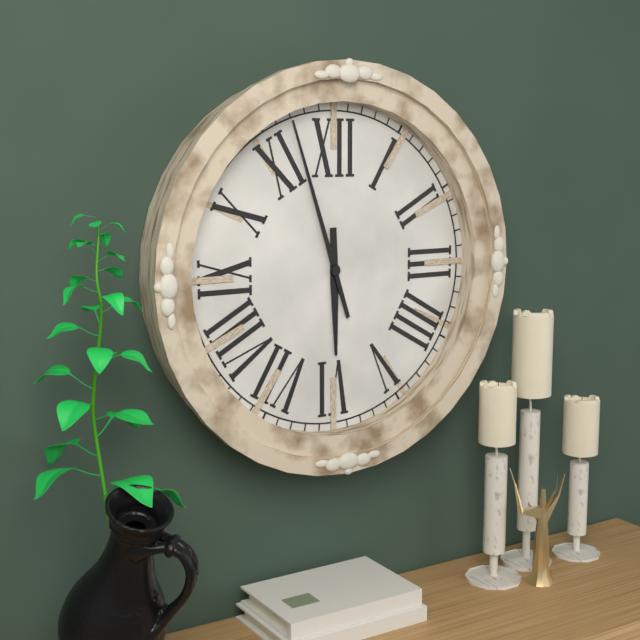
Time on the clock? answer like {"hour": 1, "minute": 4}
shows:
{"hour": 5, "minute": 57}
